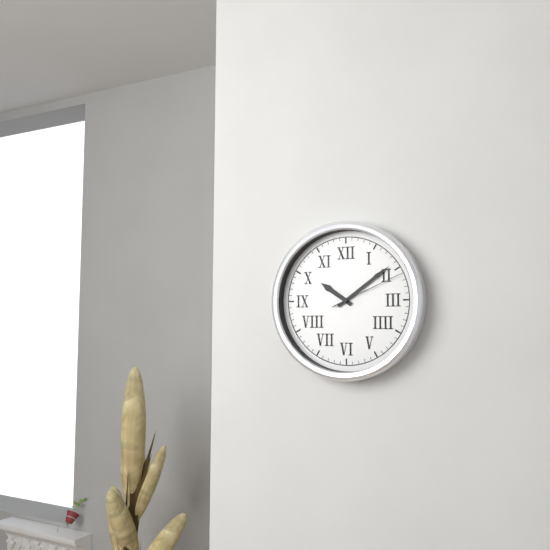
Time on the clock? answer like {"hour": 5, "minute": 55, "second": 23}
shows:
{"hour": 10, "minute": 9, "second": 11}
